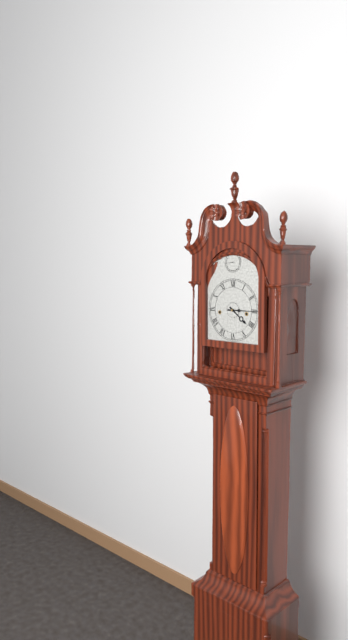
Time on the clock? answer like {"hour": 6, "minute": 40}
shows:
{"hour": 4, "minute": 15}
